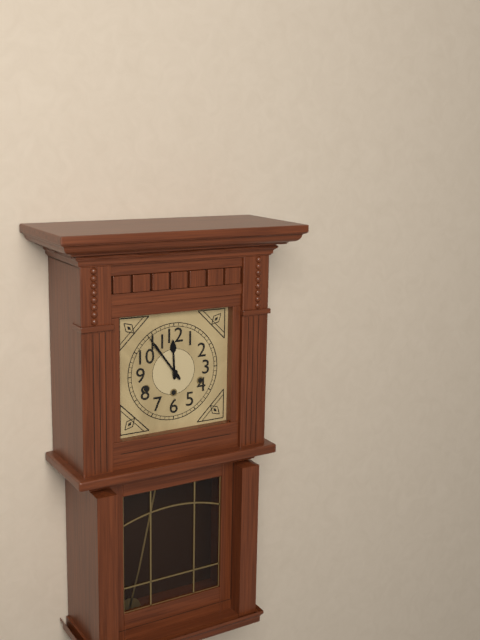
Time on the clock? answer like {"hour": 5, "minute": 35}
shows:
{"hour": 11, "minute": 54}
